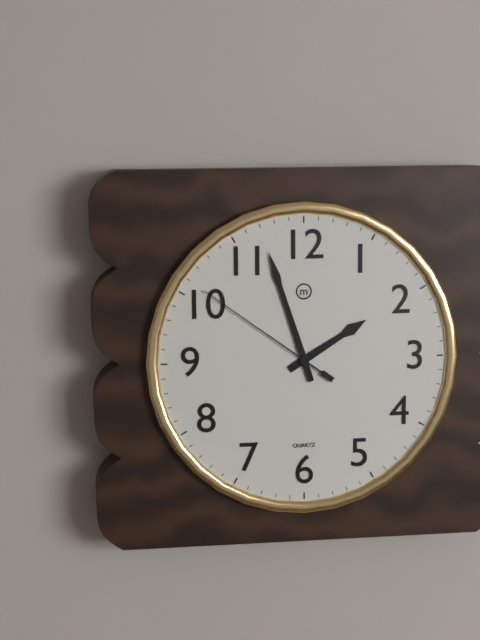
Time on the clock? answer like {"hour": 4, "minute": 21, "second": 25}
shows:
{"hour": 1, "minute": 57, "second": 51}
